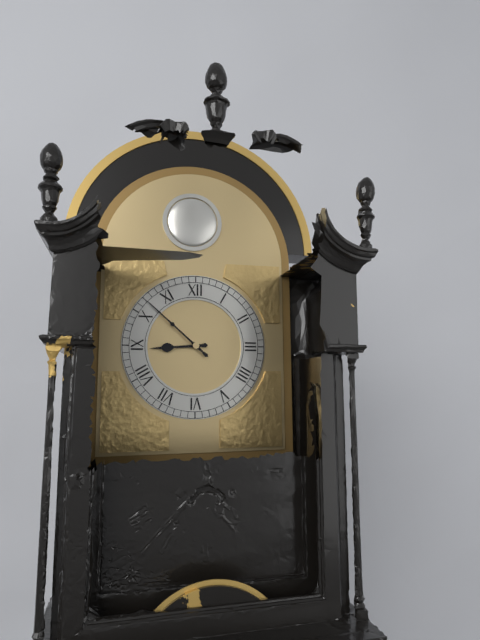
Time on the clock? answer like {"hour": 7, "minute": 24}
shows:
{"hour": 8, "minute": 52}
